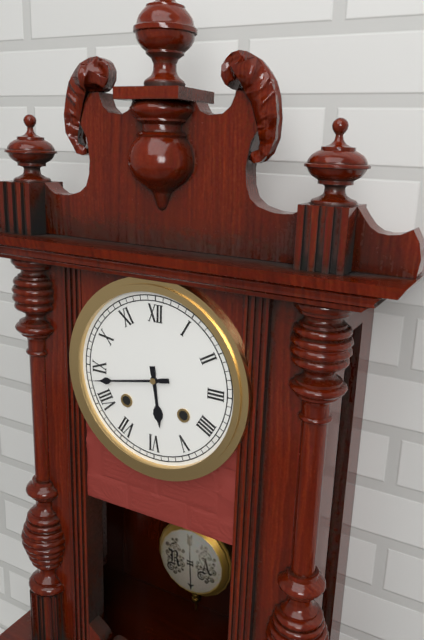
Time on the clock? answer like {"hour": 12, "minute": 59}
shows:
{"hour": 5, "minute": 43}
